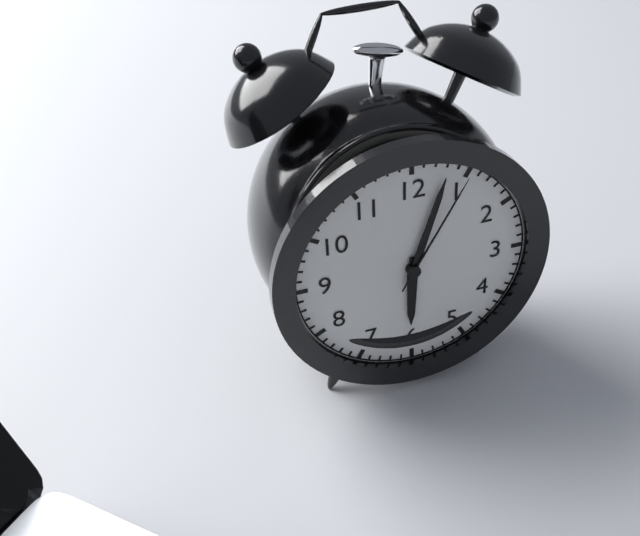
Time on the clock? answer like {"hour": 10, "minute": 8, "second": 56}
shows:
{"hour": 6, "minute": 3, "second": 5}
